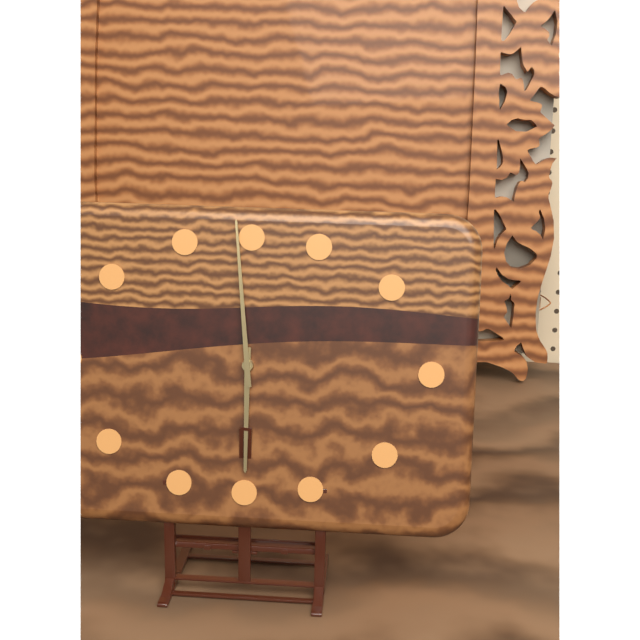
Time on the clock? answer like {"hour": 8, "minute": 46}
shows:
{"hour": 5, "minute": 59}
